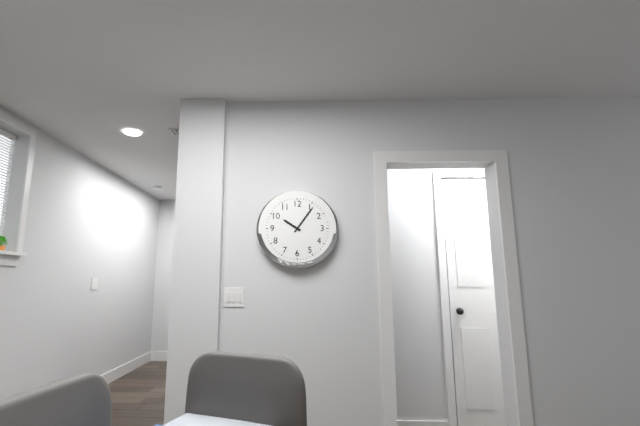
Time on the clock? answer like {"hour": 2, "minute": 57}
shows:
{"hour": 10, "minute": 6}
